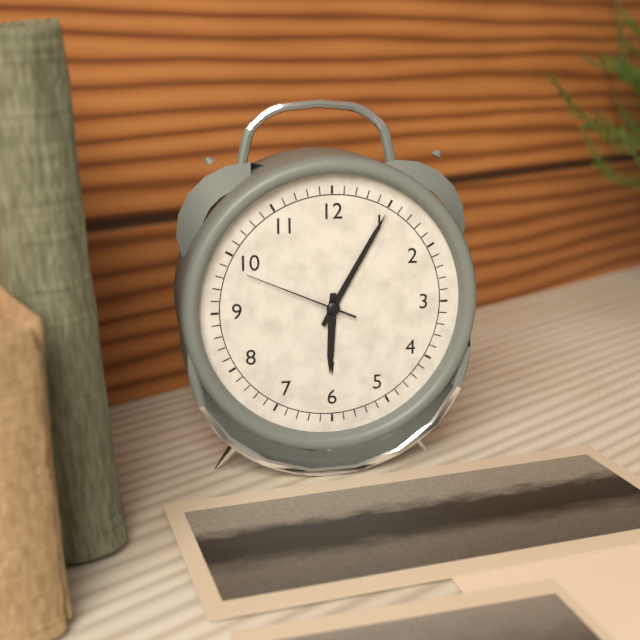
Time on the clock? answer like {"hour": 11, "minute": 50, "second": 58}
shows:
{"hour": 6, "minute": 5, "second": 49}
